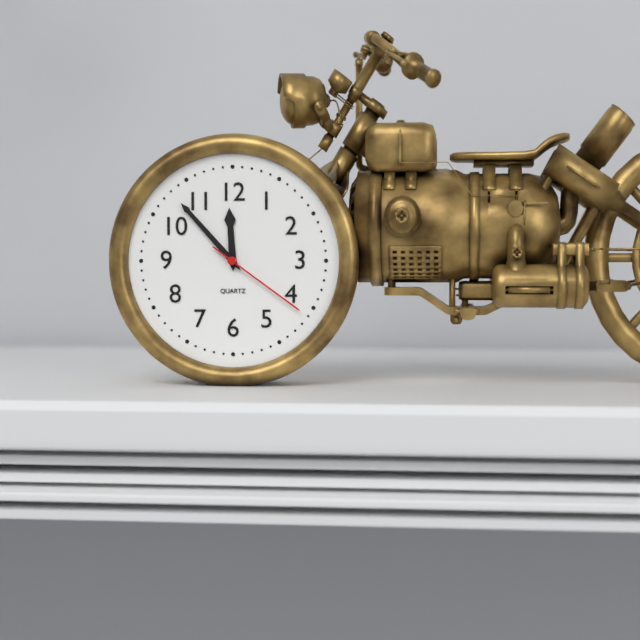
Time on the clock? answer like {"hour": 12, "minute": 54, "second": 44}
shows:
{"hour": 11, "minute": 53, "second": 21}
